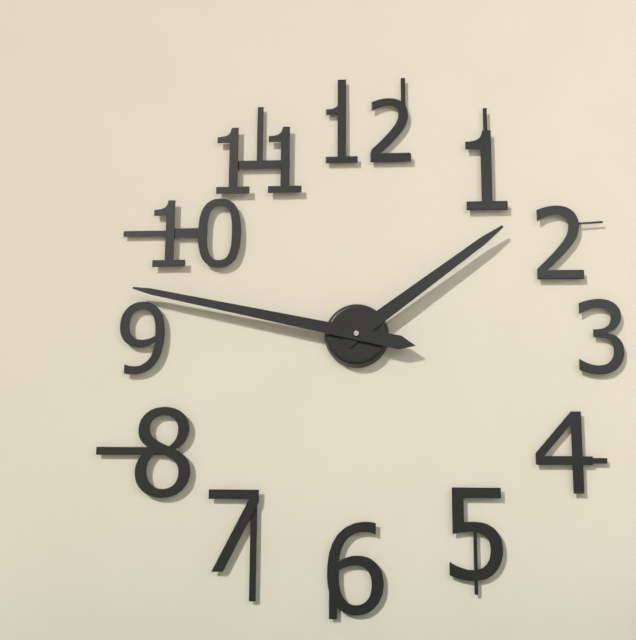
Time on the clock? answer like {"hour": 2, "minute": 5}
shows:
{"hour": 1, "minute": 47}
